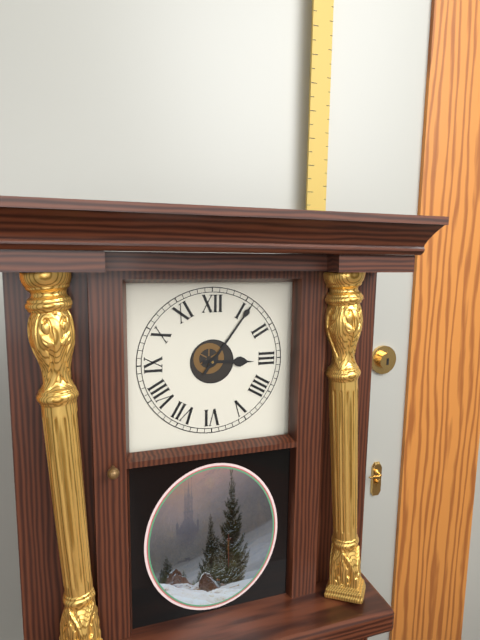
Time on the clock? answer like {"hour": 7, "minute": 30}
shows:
{"hour": 3, "minute": 6}
